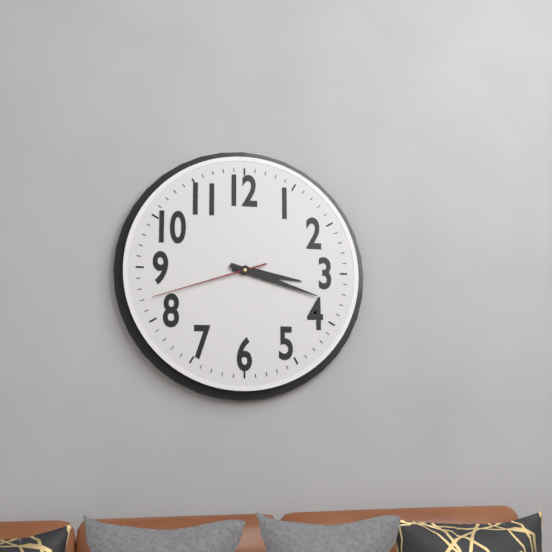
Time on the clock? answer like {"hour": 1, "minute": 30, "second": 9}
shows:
{"hour": 3, "minute": 18, "second": 42}
